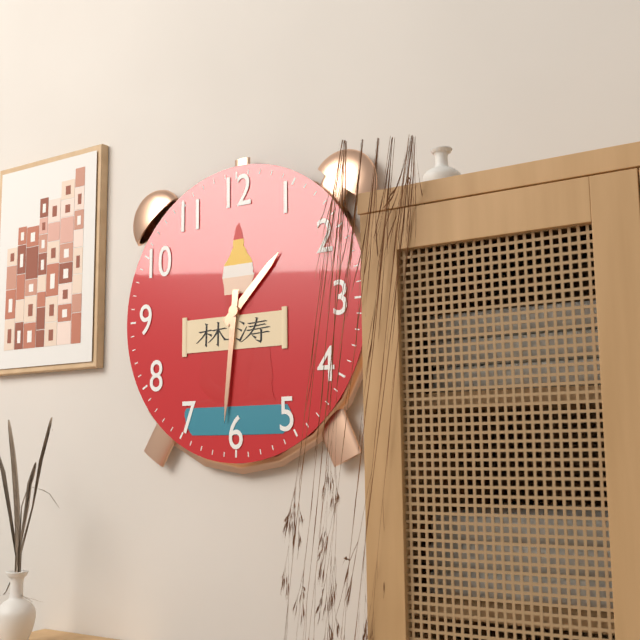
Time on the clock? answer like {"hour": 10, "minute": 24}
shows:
{"hour": 1, "minute": 31}
